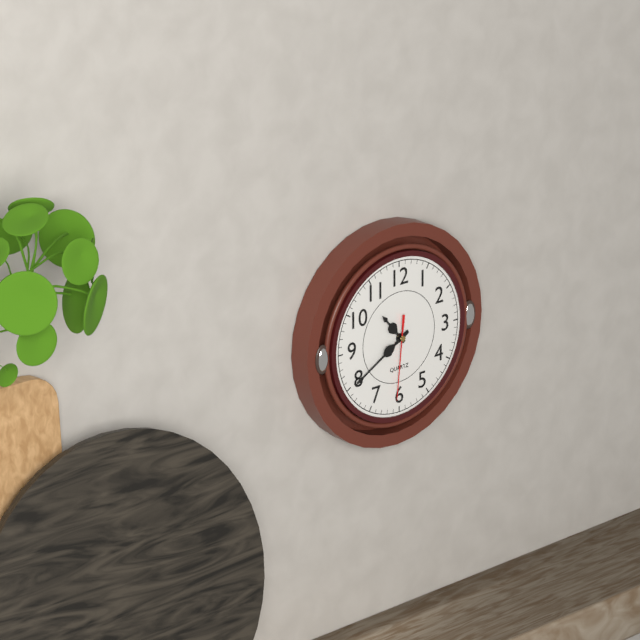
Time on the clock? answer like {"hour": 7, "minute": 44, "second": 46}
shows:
{"hour": 10, "minute": 40, "second": 31}
